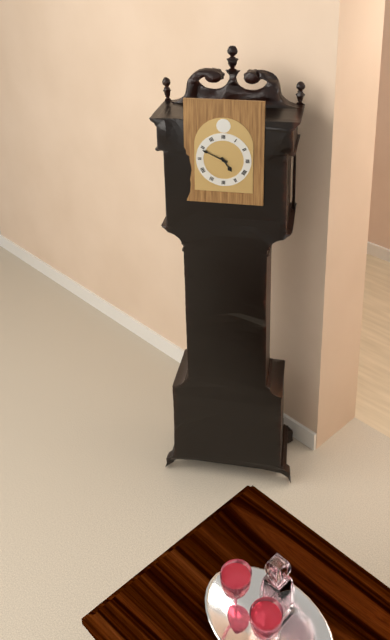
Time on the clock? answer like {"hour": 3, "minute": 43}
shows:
{"hour": 4, "minute": 49}
